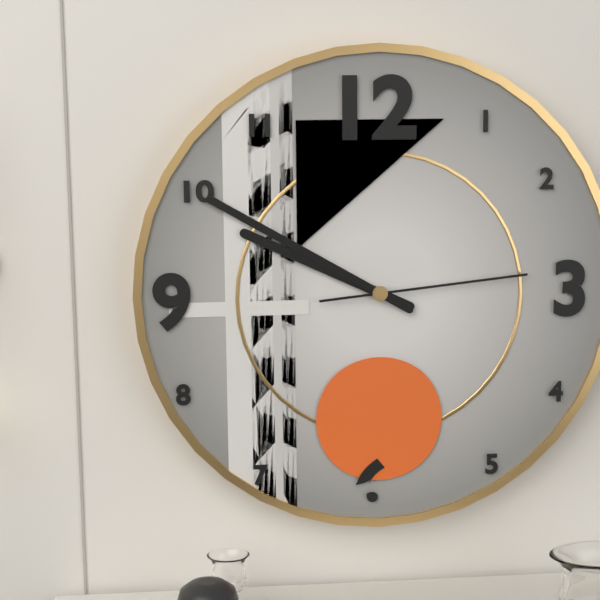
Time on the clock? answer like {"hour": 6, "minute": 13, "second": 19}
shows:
{"hour": 9, "minute": 50, "second": 14}
